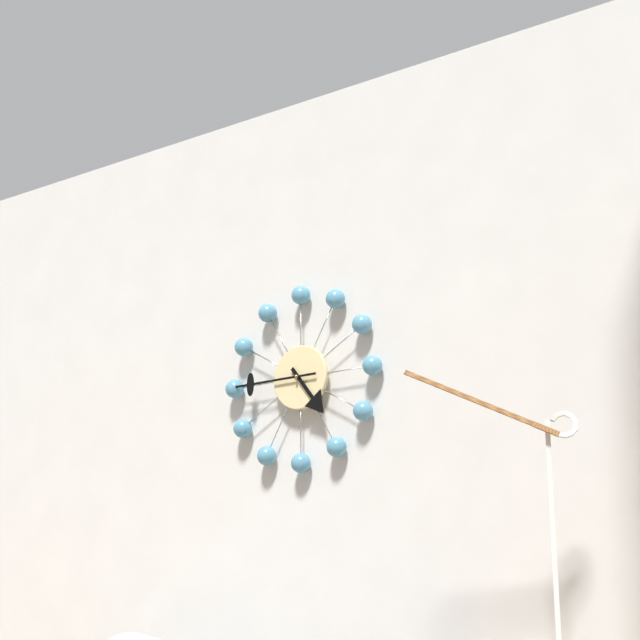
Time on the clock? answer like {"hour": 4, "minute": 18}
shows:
{"hour": 4, "minute": 45}
